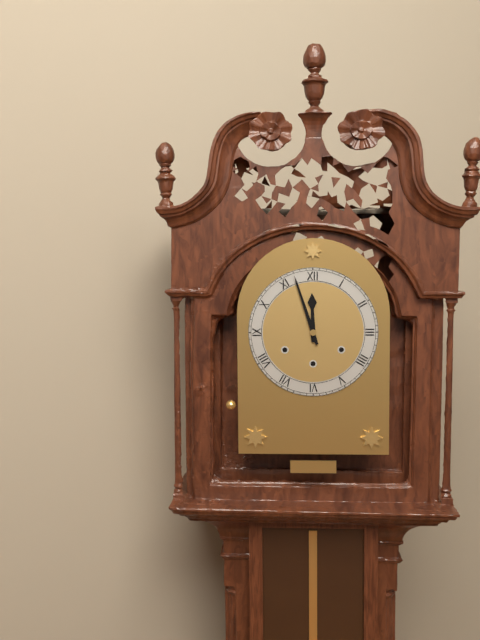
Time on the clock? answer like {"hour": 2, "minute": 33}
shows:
{"hour": 11, "minute": 57}
